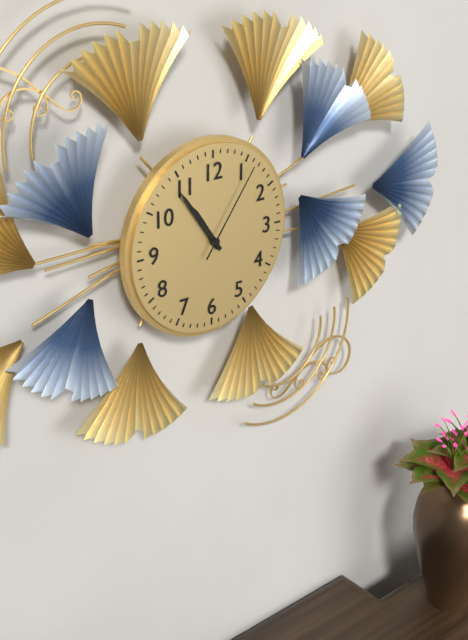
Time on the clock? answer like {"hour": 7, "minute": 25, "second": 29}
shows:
{"hour": 10, "minute": 54, "second": 6}
